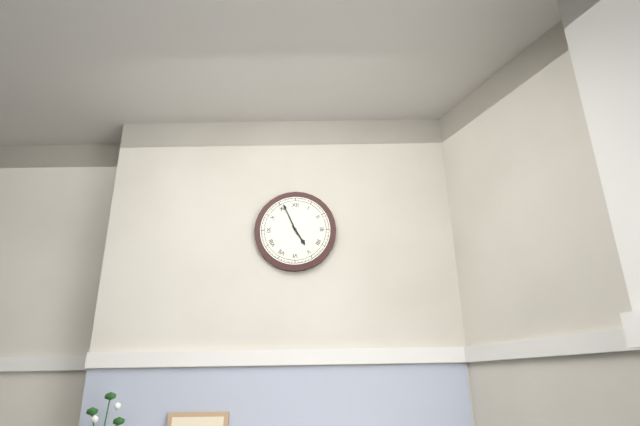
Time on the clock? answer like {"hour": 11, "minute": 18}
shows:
{"hour": 4, "minute": 56}
